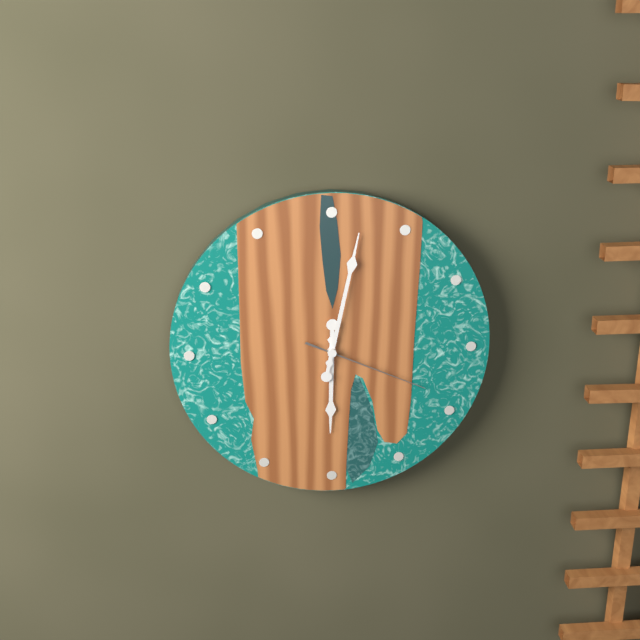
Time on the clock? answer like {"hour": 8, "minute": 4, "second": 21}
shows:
{"hour": 6, "minute": 2, "second": 19}
